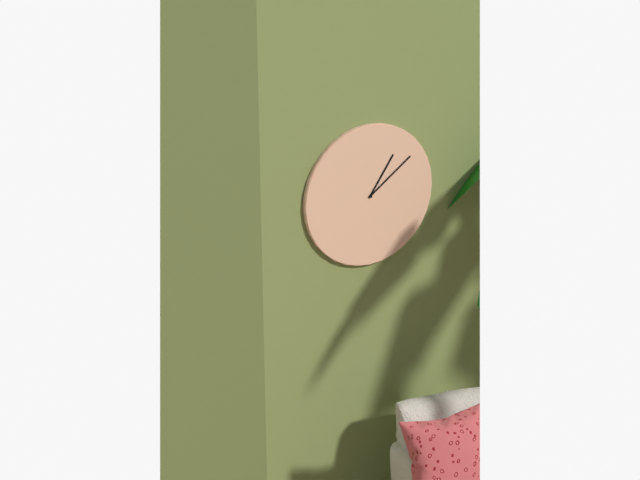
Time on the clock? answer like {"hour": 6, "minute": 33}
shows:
{"hour": 1, "minute": 9}
